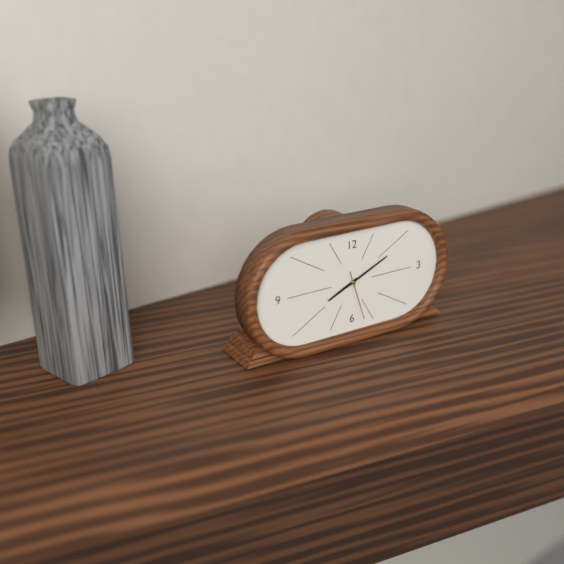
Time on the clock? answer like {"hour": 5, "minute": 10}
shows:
{"hour": 8, "minute": 11}
